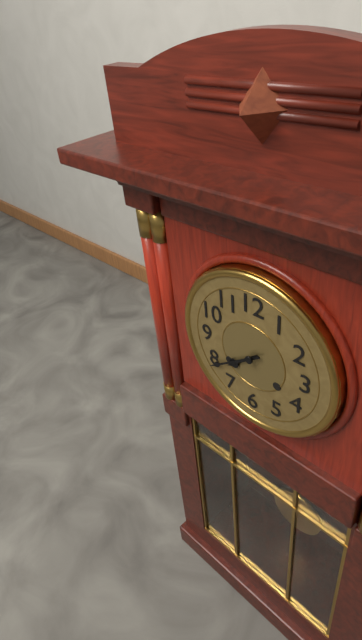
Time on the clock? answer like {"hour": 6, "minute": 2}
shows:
{"hour": 7, "minute": 39}
